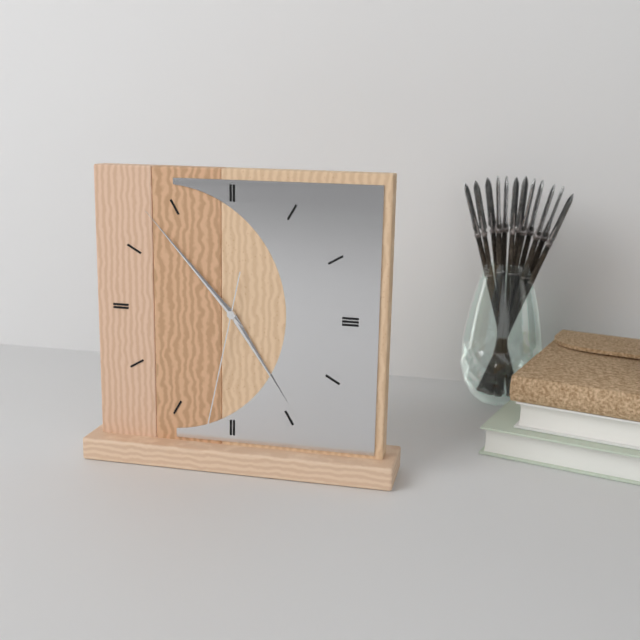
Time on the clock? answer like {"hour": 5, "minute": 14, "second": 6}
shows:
{"hour": 4, "minute": 53, "second": 32}
